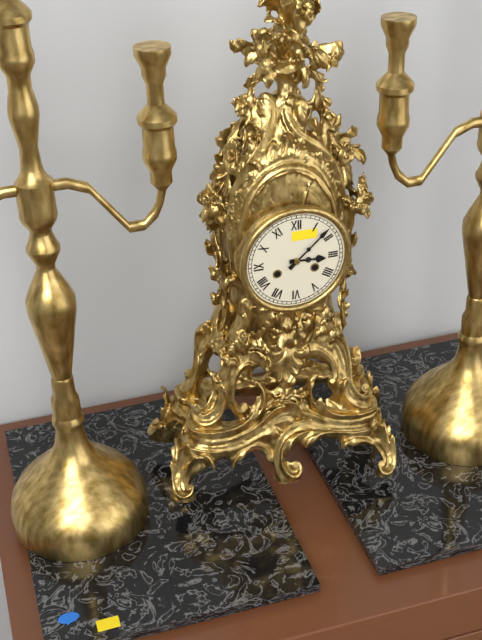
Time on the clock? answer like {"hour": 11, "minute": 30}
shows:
{"hour": 3, "minute": 8}
